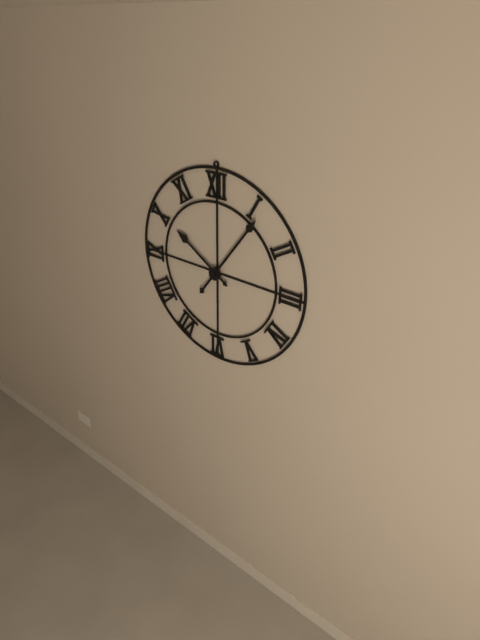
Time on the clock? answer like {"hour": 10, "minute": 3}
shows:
{"hour": 10, "minute": 6}
